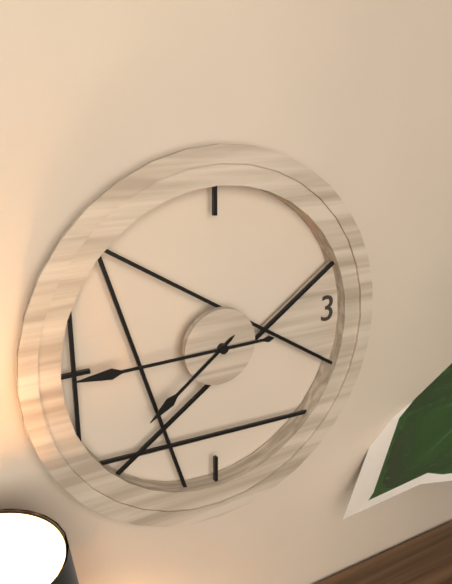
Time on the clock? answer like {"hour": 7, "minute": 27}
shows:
{"hour": 7, "minute": 45}
